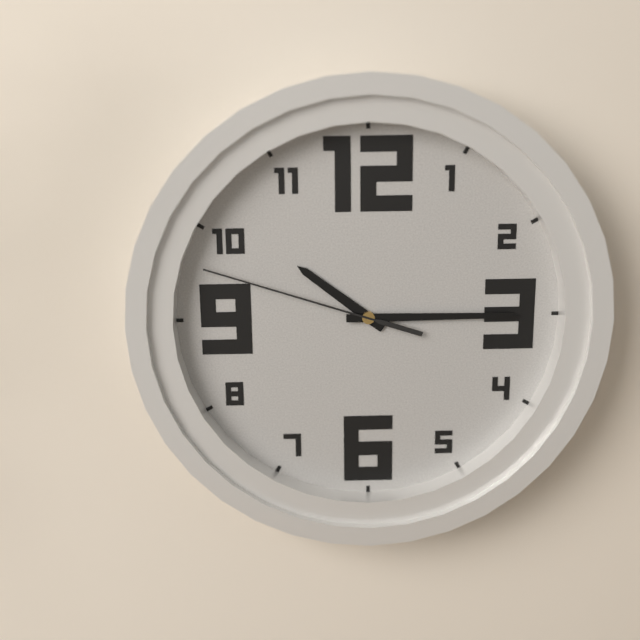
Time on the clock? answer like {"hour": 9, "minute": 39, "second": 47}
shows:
{"hour": 10, "minute": 15, "second": 48}
